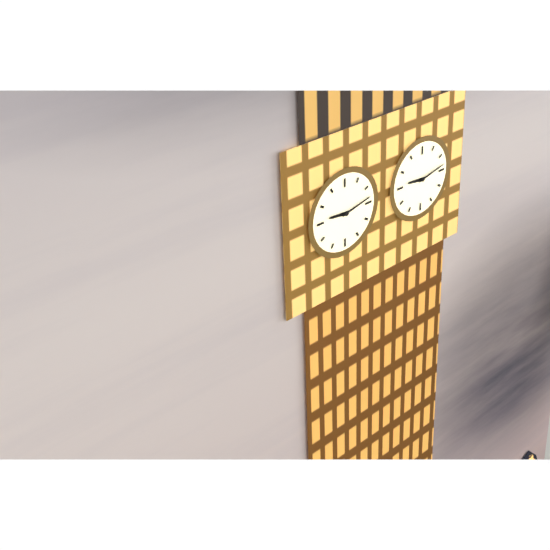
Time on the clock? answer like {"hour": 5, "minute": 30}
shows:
{"hour": 9, "minute": 13}
